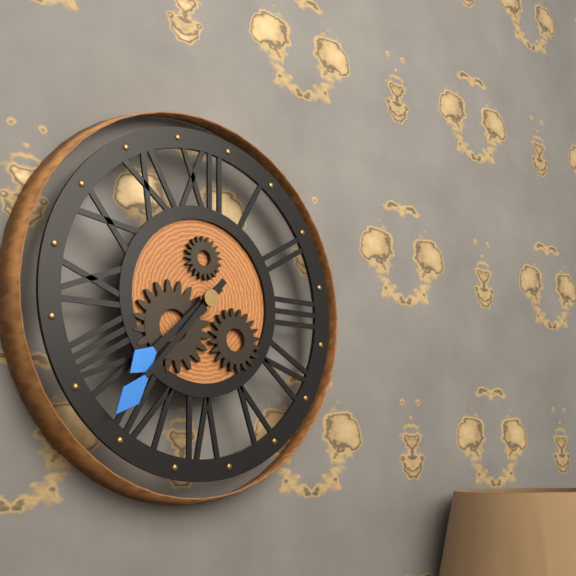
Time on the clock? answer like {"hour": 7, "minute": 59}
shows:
{"hour": 7, "minute": 37}
